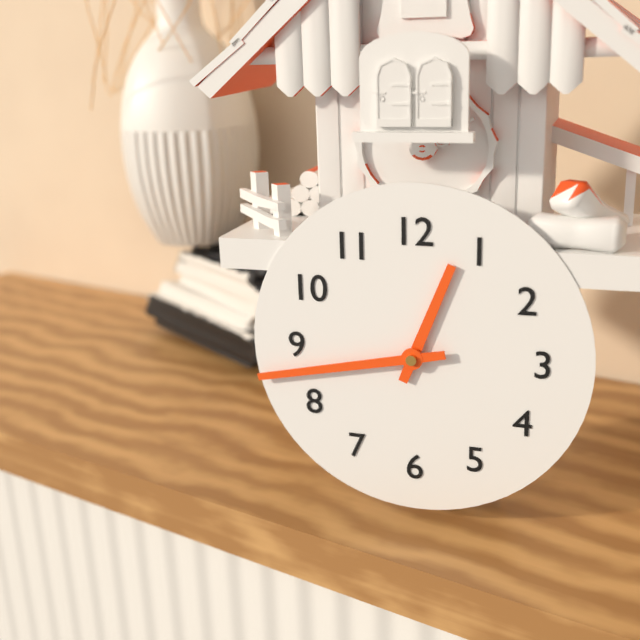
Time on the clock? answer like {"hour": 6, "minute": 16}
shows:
{"hour": 12, "minute": 43}
